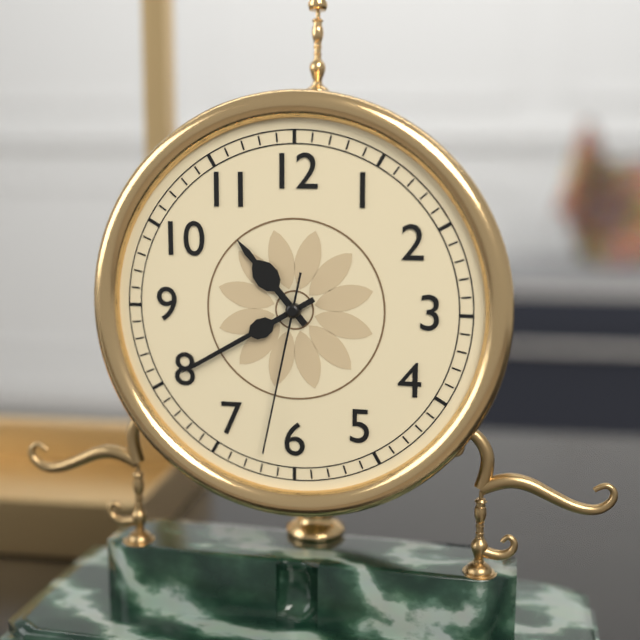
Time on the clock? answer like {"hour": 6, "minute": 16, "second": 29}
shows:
{"hour": 10, "minute": 40, "second": 32}
